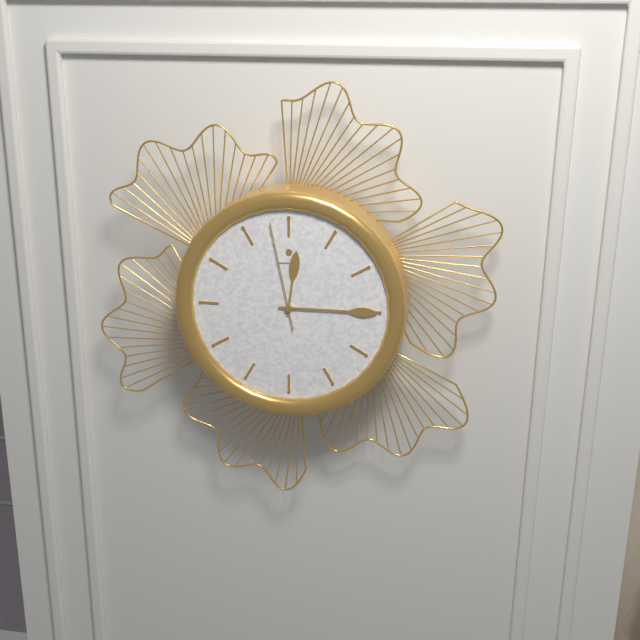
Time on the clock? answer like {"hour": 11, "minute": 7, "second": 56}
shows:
{"hour": 12, "minute": 15, "second": 58}
